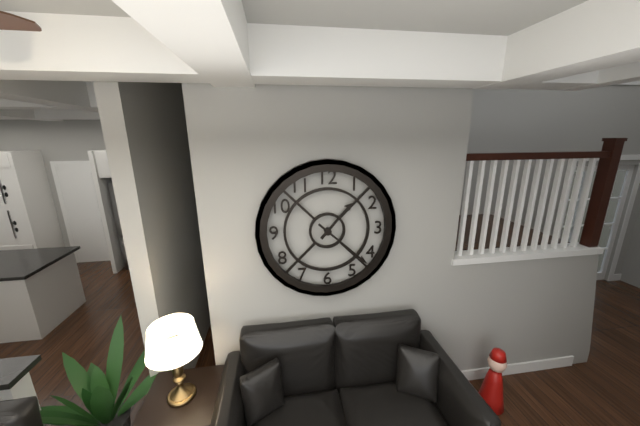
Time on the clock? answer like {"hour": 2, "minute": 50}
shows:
{"hour": 1, "minute": 22}
